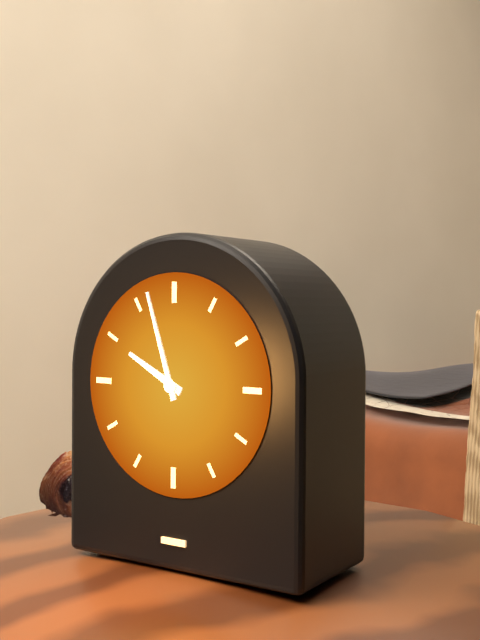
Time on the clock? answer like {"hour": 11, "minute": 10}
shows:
{"hour": 9, "minute": 57}
